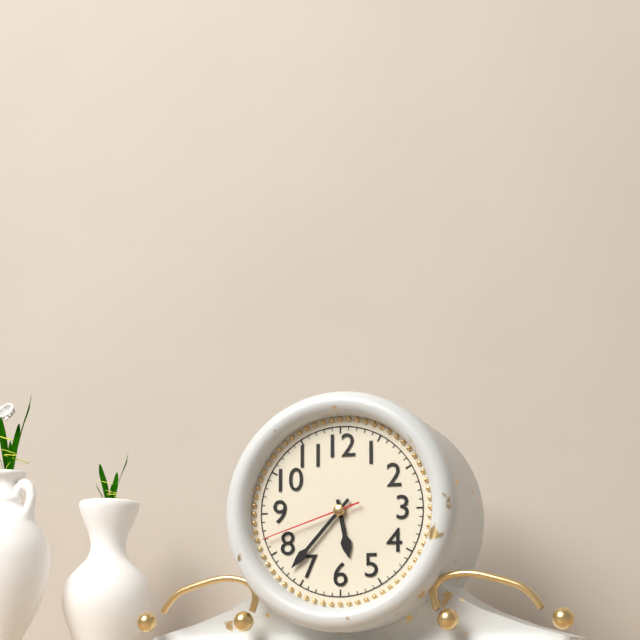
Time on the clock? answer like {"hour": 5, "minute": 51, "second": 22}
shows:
{"hour": 5, "minute": 37, "second": 42}
